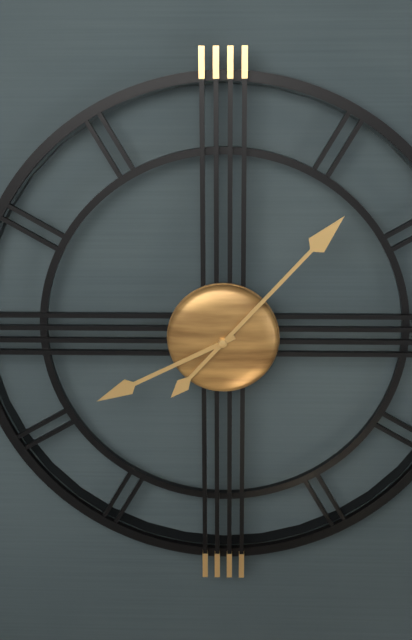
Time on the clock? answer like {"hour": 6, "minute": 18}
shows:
{"hour": 8, "minute": 7}
